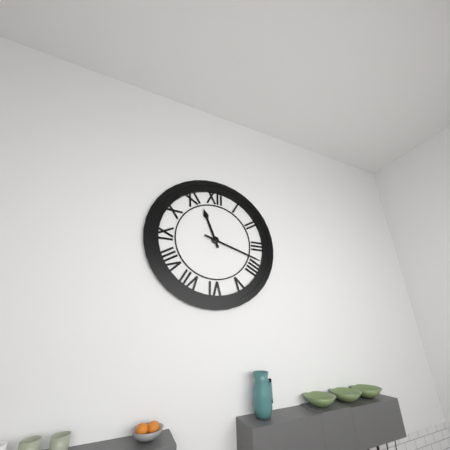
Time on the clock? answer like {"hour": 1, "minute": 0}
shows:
{"hour": 11, "minute": 18}
